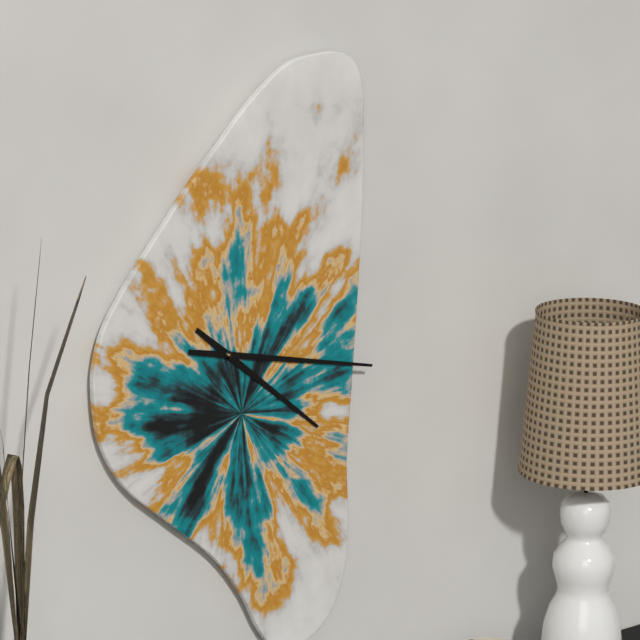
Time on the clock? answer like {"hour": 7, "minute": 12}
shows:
{"hour": 4, "minute": 17}
